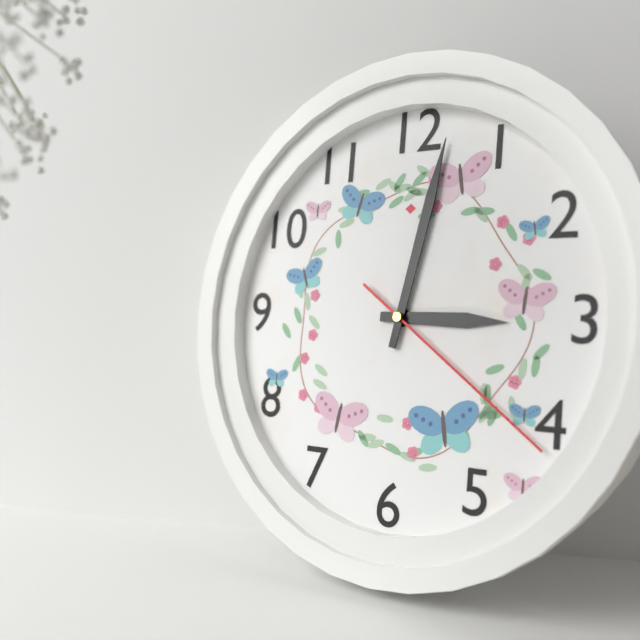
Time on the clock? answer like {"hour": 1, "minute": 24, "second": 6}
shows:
{"hour": 3, "minute": 2, "second": 21}
